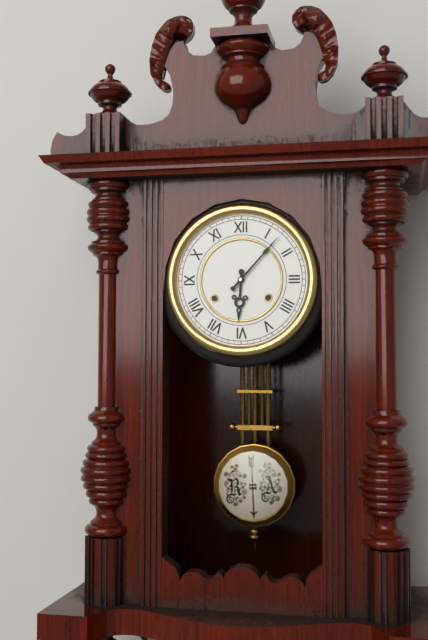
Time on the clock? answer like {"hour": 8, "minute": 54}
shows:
{"hour": 6, "minute": 7}
